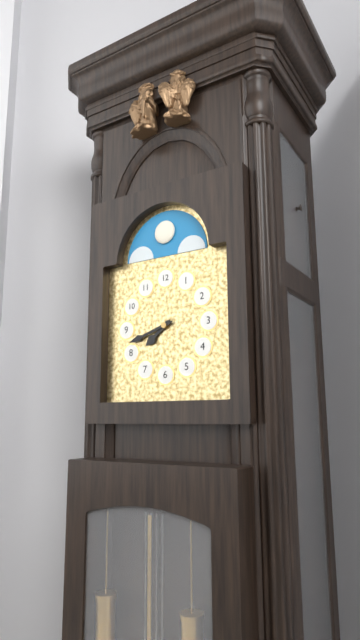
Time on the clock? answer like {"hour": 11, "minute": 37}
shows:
{"hour": 7, "minute": 42}
